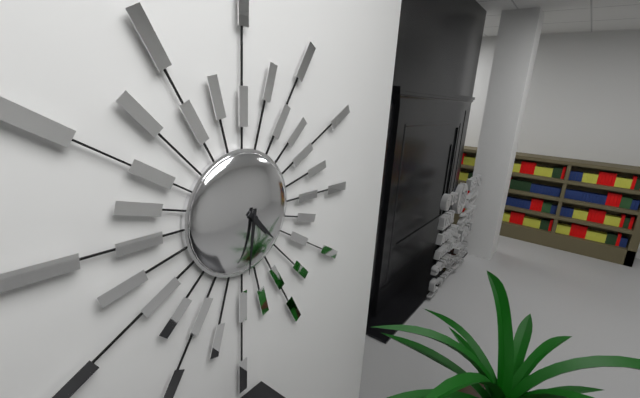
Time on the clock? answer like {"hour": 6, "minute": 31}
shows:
{"hour": 4, "minute": 31}
